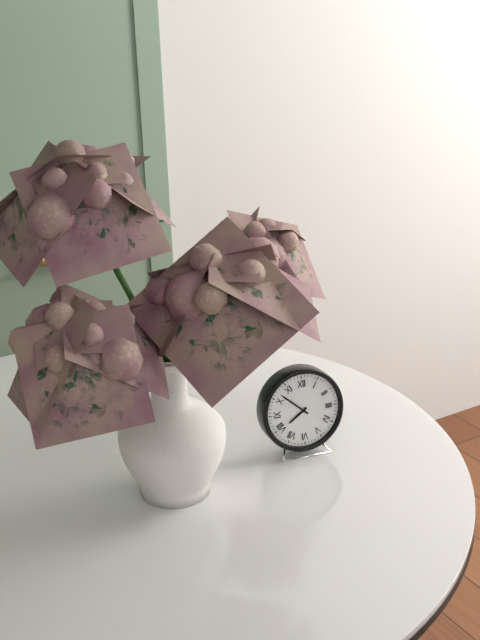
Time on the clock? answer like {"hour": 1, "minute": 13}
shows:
{"hour": 7, "minute": 52}
